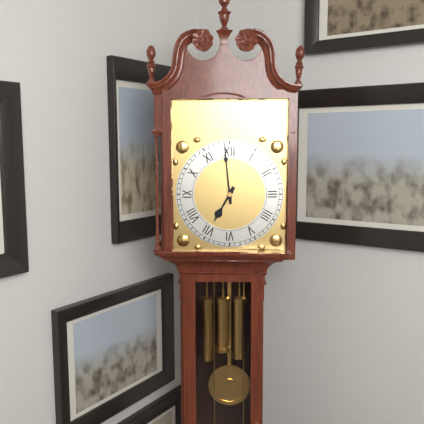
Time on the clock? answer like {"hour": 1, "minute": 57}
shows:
{"hour": 6, "minute": 59}
